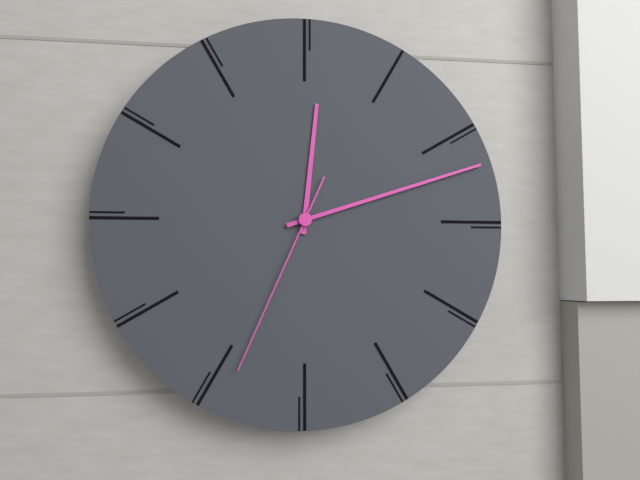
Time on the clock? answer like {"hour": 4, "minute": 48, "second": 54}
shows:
{"hour": 12, "minute": 12, "second": 34}
